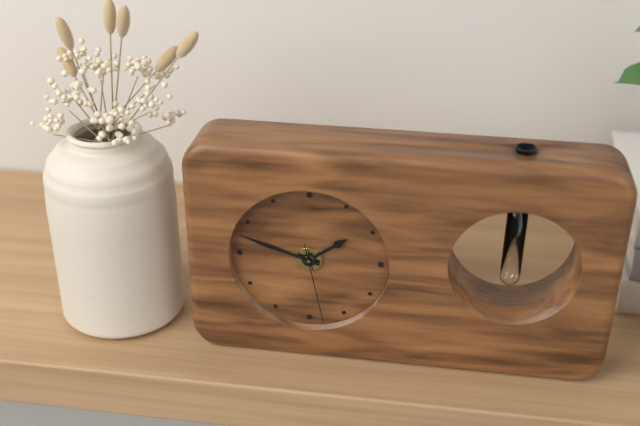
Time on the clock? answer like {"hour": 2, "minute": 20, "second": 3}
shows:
{"hour": 1, "minute": 48, "second": 28}
